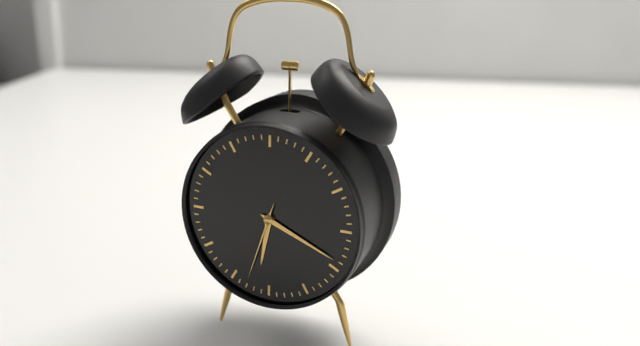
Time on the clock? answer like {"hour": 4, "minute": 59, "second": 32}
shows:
{"hour": 6, "minute": 19, "second": 33}
